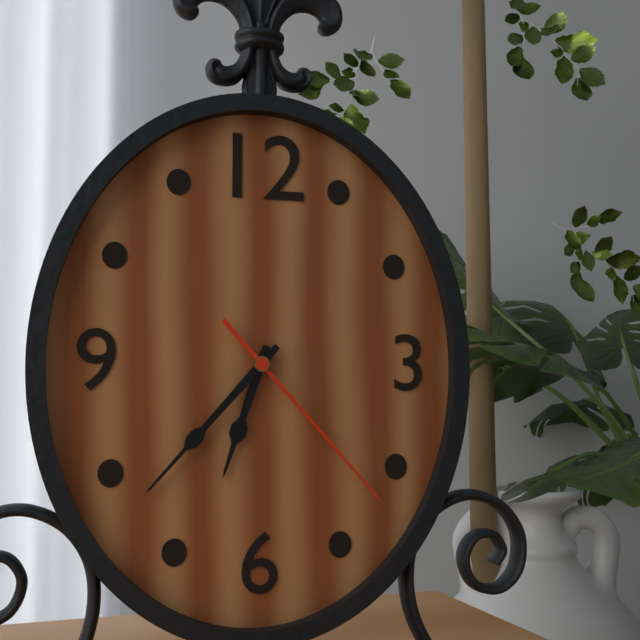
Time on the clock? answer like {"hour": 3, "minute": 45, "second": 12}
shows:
{"hour": 6, "minute": 37, "second": 23}
